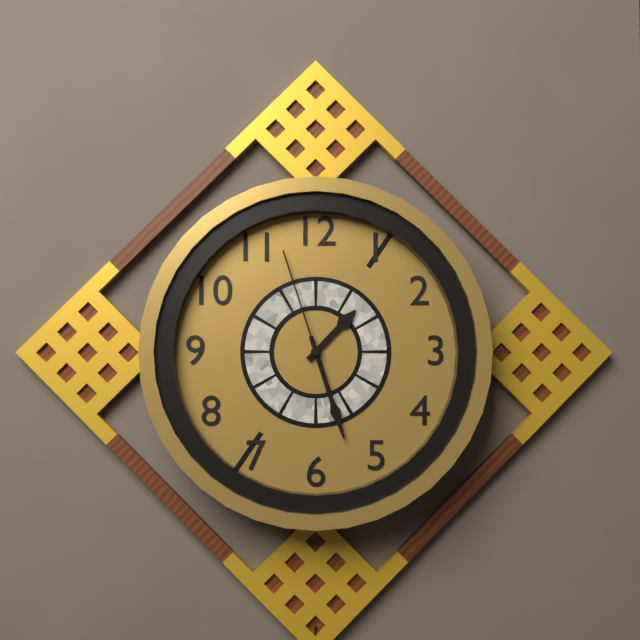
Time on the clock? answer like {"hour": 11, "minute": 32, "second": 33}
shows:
{"hour": 1, "minute": 27, "second": 57}
